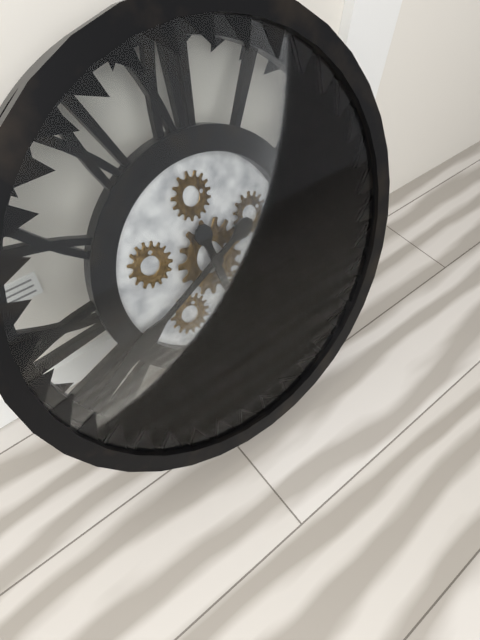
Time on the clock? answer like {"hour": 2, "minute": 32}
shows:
{"hour": 5, "minute": 41}
